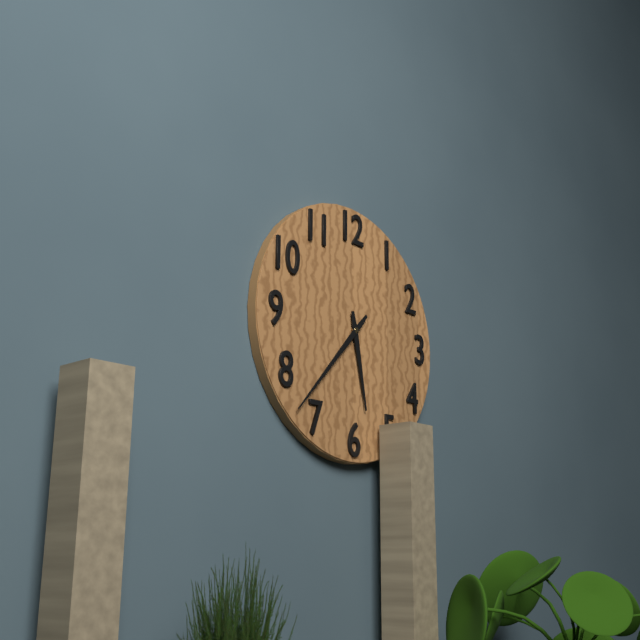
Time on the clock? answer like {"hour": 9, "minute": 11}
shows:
{"hour": 5, "minute": 37}
